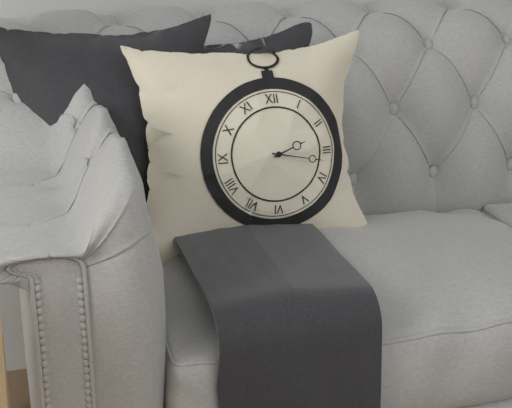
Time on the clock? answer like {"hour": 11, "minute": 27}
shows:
{"hour": 2, "minute": 17}
